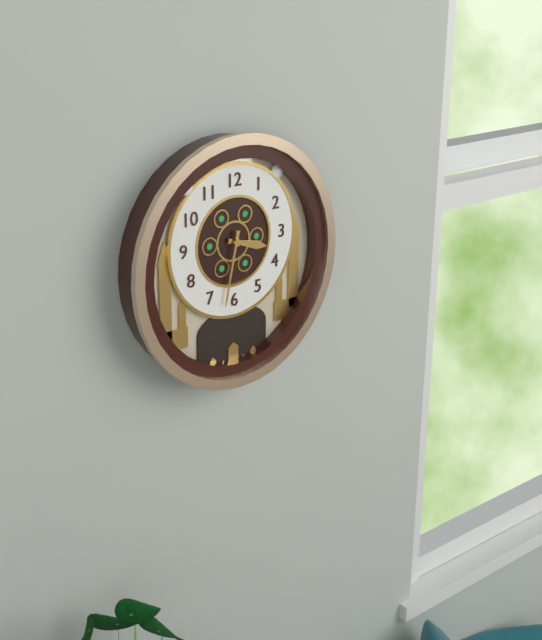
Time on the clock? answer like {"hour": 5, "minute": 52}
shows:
{"hour": 3, "minute": 32}
